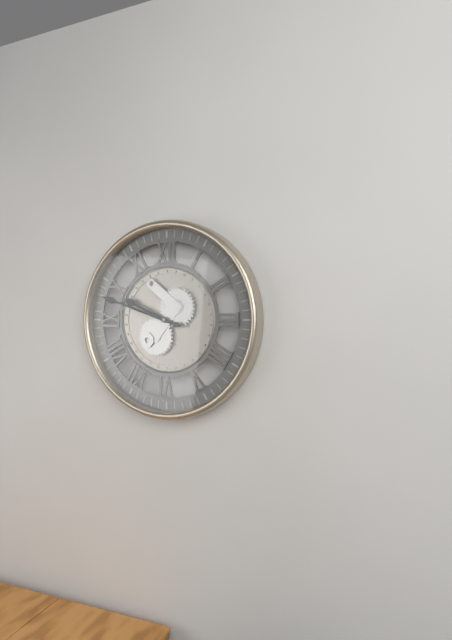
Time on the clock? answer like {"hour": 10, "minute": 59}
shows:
{"hour": 9, "minute": 48}
